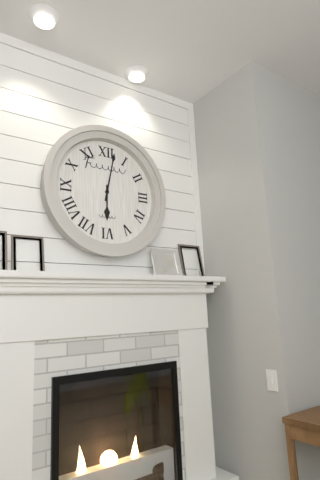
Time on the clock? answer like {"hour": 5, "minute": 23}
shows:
{"hour": 6, "minute": 2}
